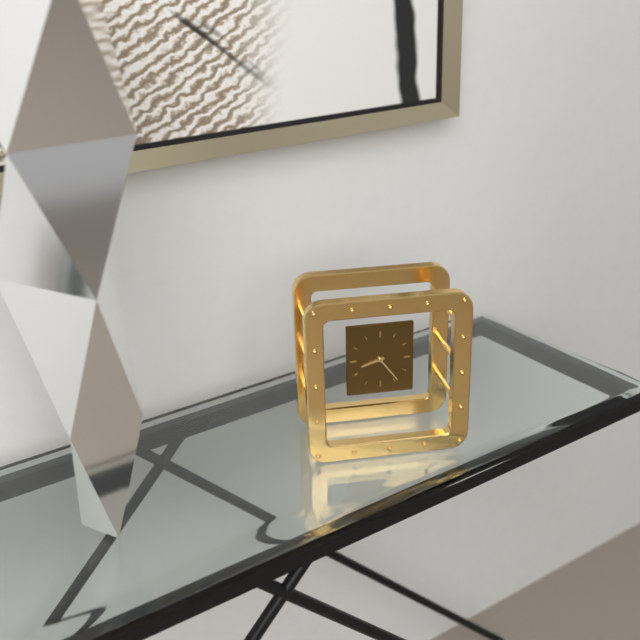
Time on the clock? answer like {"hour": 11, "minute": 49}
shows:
{"hour": 8, "minute": 24}
